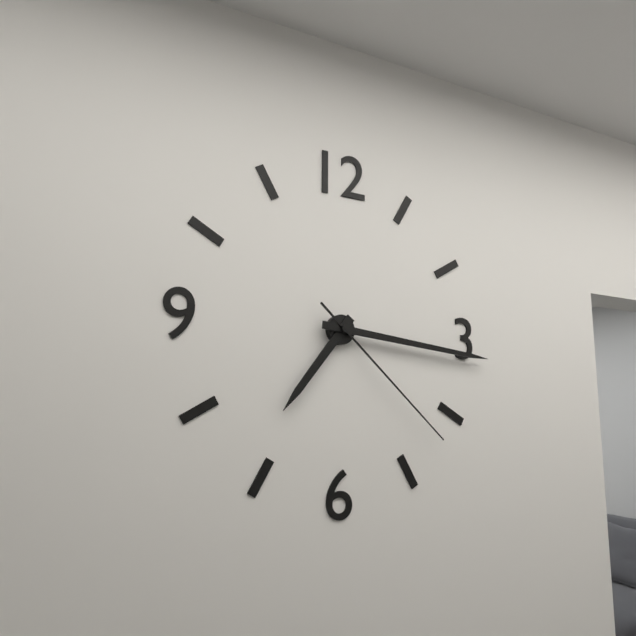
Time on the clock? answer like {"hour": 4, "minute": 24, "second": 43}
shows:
{"hour": 7, "minute": 16, "second": 22}
